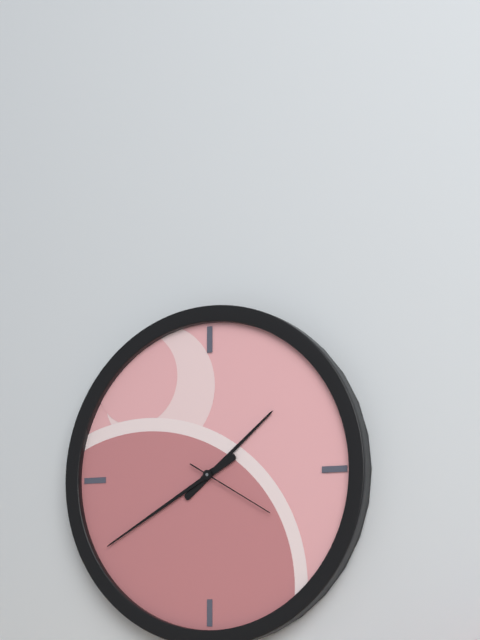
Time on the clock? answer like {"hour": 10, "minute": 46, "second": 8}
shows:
{"hour": 1, "minute": 40, "second": 20}
